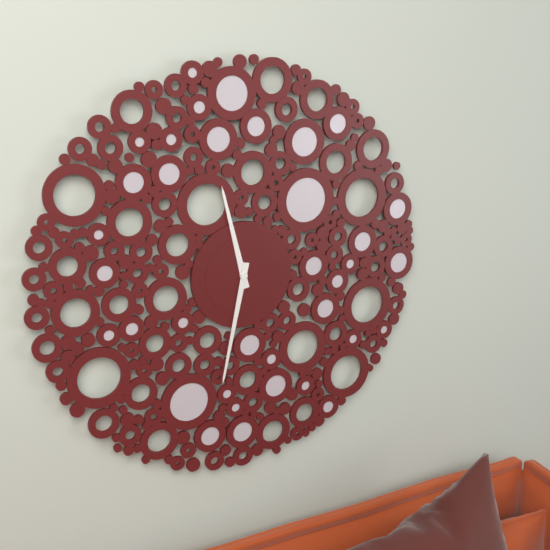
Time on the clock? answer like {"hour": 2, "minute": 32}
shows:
{"hour": 11, "minute": 32}
